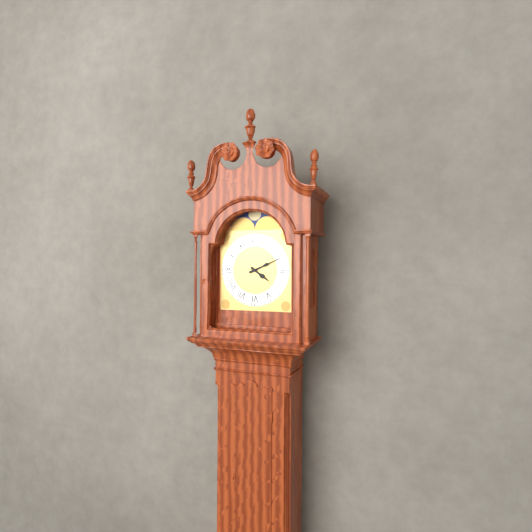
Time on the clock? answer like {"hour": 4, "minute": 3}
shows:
{"hour": 4, "minute": 11}
